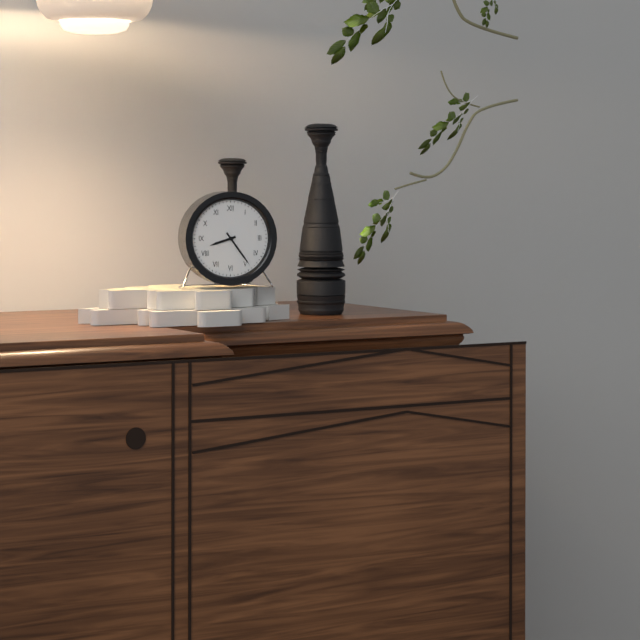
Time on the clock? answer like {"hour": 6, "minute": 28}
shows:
{"hour": 8, "minute": 24}
